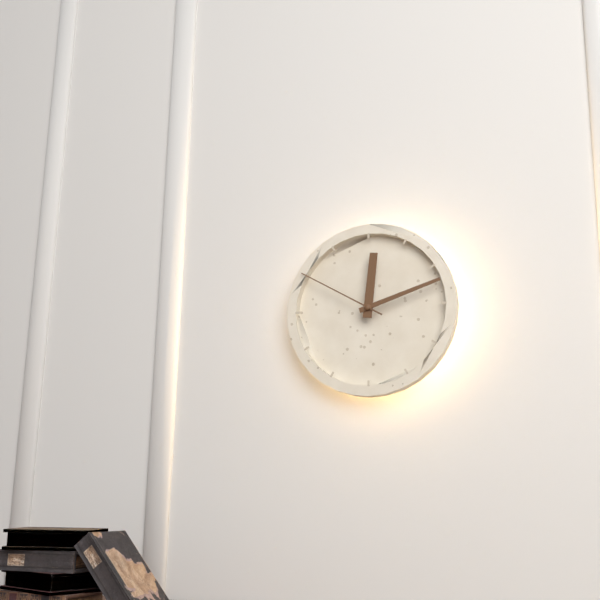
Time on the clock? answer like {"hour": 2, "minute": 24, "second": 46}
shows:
{"hour": 12, "minute": 12, "second": 50}
